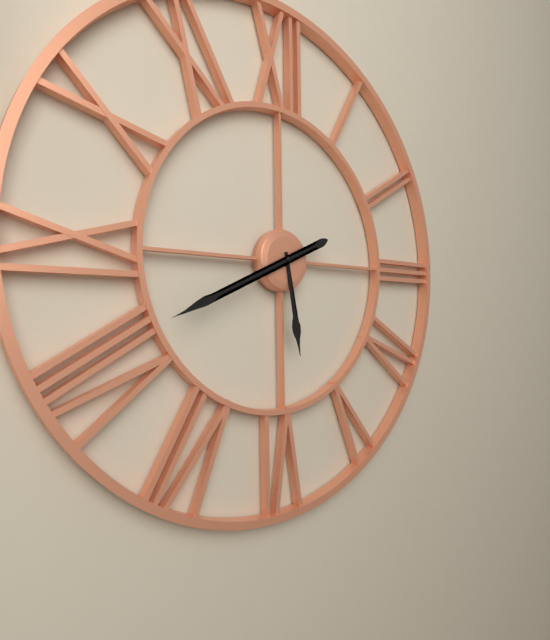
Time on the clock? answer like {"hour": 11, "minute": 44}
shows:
{"hour": 5, "minute": 41}
